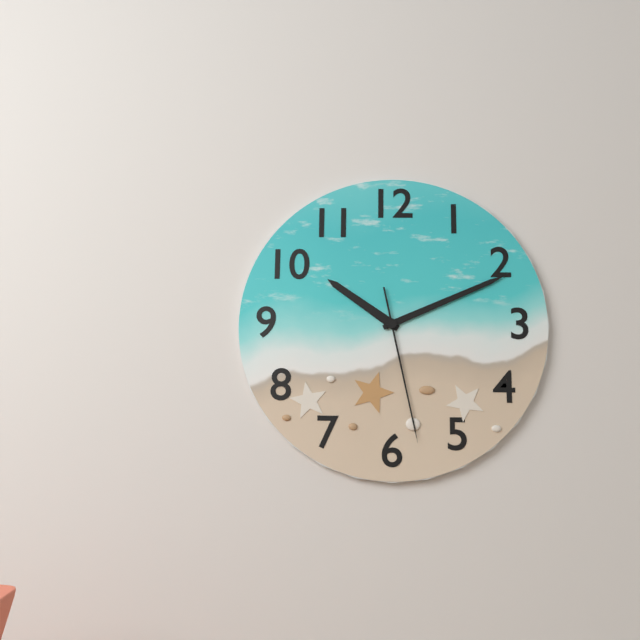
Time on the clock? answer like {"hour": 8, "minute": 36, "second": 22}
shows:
{"hour": 10, "minute": 11, "second": 28}
